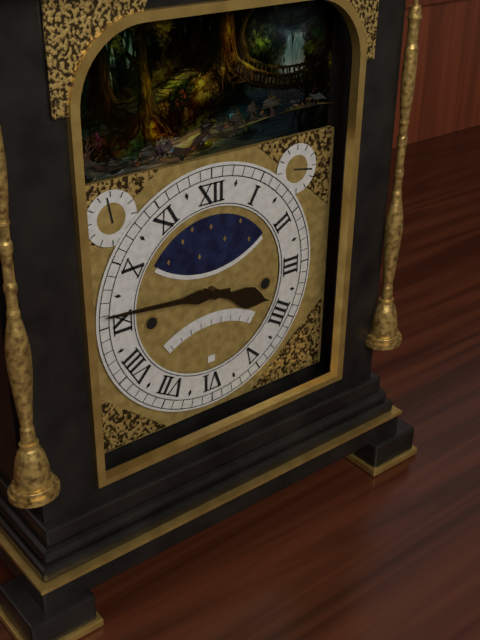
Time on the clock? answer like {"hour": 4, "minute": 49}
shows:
{"hour": 3, "minute": 46}
